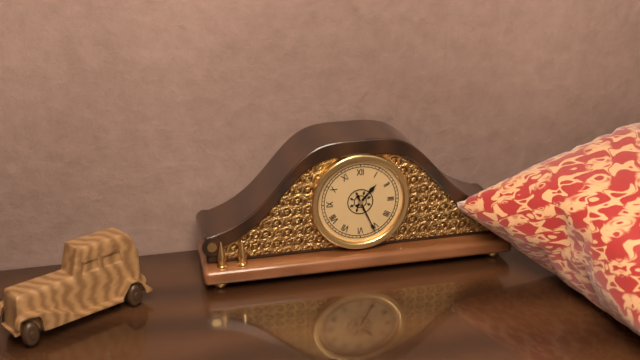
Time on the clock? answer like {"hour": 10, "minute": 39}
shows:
{"hour": 1, "minute": 26}
